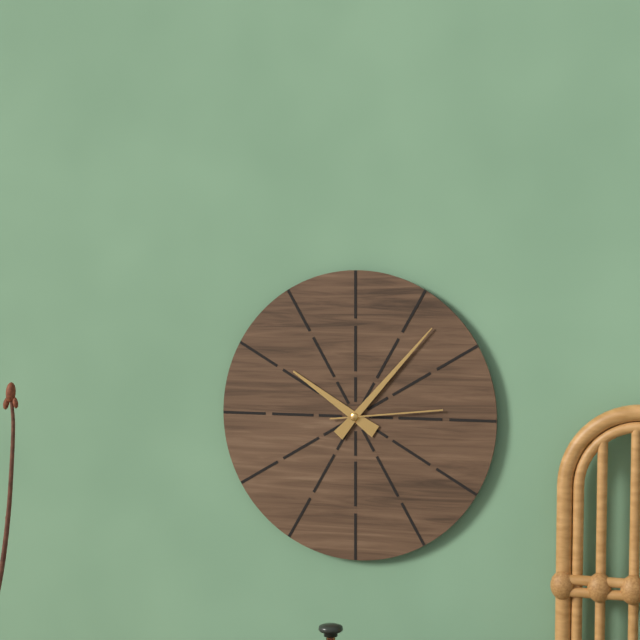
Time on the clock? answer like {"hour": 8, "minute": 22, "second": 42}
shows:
{"hour": 10, "minute": 7, "second": 14}
